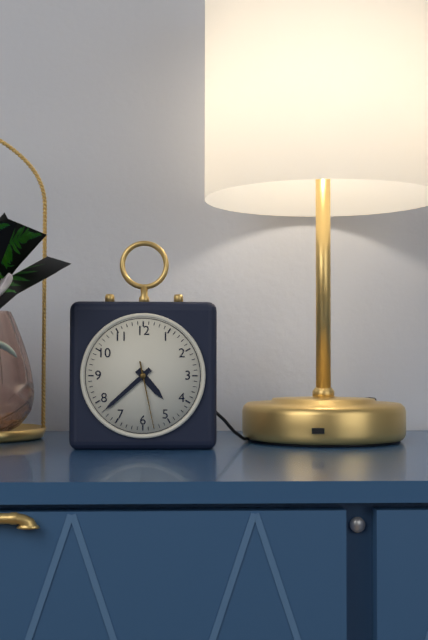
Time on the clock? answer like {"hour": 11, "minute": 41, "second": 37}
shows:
{"hour": 4, "minute": 38, "second": 28}
